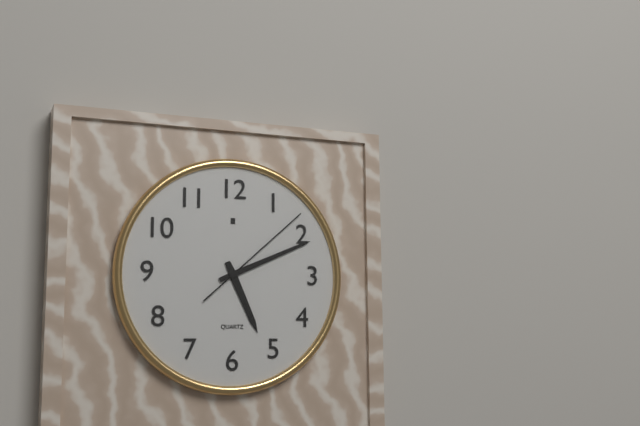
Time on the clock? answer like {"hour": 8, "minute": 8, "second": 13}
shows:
{"hour": 5, "minute": 11, "second": 8}
